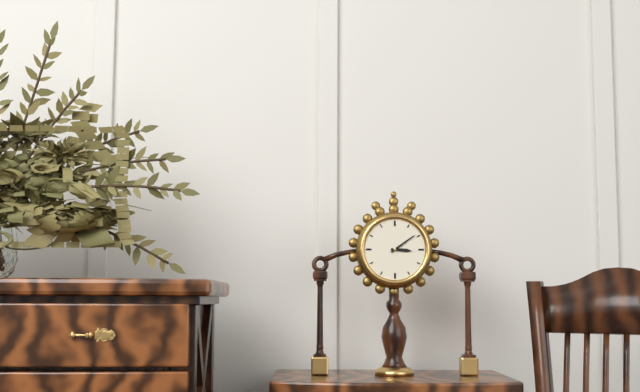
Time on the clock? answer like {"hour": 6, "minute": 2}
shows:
{"hour": 3, "minute": 9}
